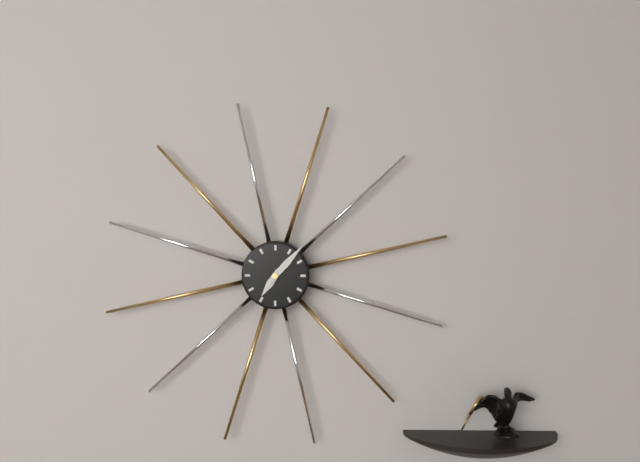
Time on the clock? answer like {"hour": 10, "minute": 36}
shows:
{"hour": 7, "minute": 7}
